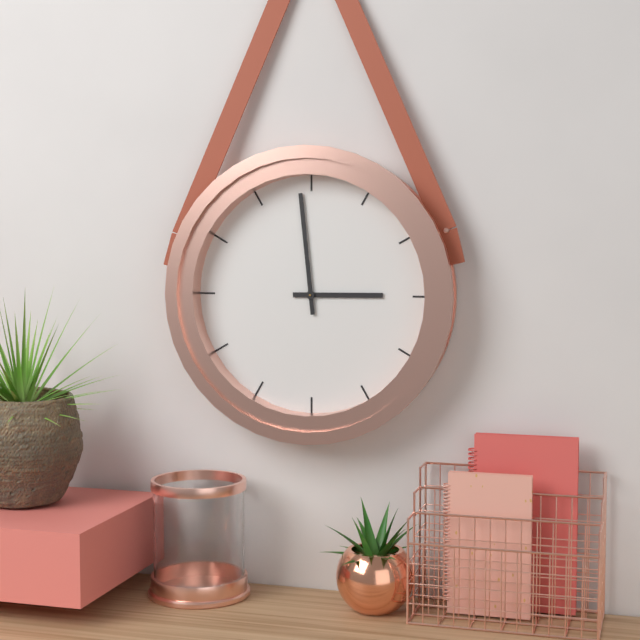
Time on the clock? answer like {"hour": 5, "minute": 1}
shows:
{"hour": 2, "minute": 59}
